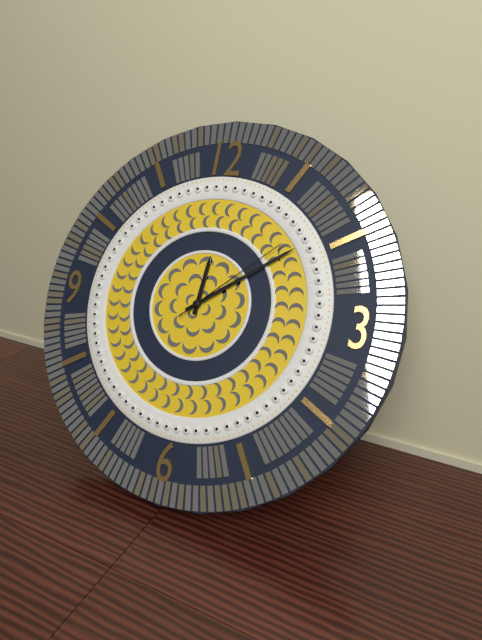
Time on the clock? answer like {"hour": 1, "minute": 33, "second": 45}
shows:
{"hour": 12, "minute": 9, "second": 8}
